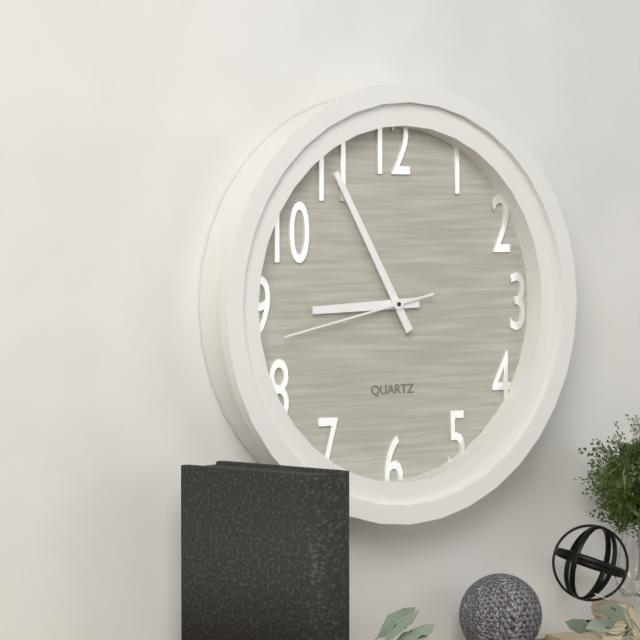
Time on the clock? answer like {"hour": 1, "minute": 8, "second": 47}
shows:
{"hour": 8, "minute": 55, "second": 43}
